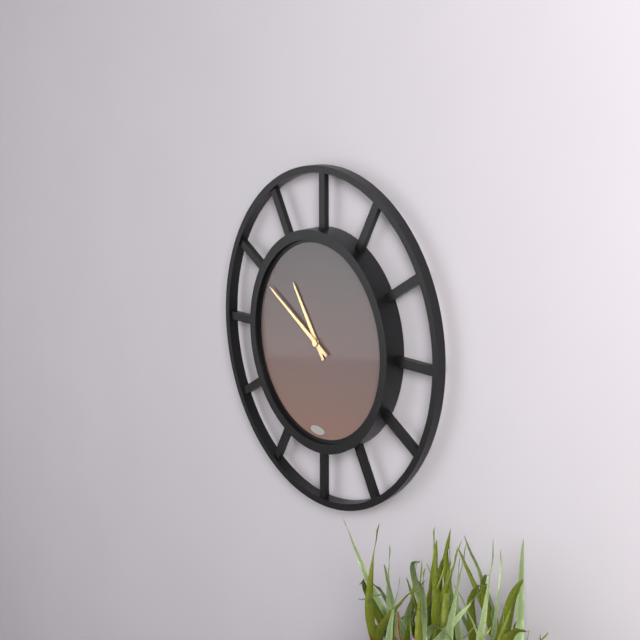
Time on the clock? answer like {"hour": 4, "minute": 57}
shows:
{"hour": 10, "minute": 50}
